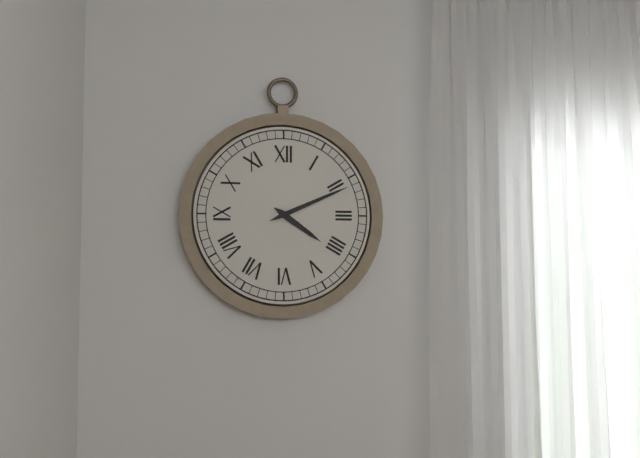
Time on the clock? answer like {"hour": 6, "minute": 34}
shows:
{"hour": 4, "minute": 11}
